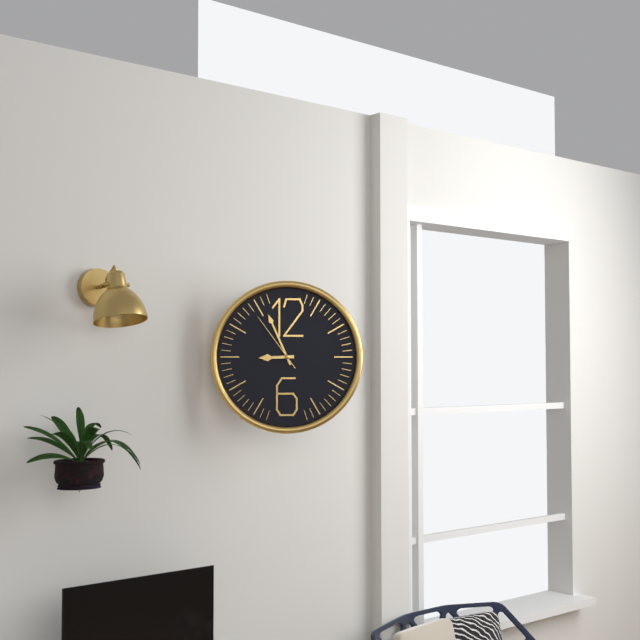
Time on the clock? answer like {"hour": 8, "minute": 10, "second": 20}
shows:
{"hour": 8, "minute": 56, "second": 54}
